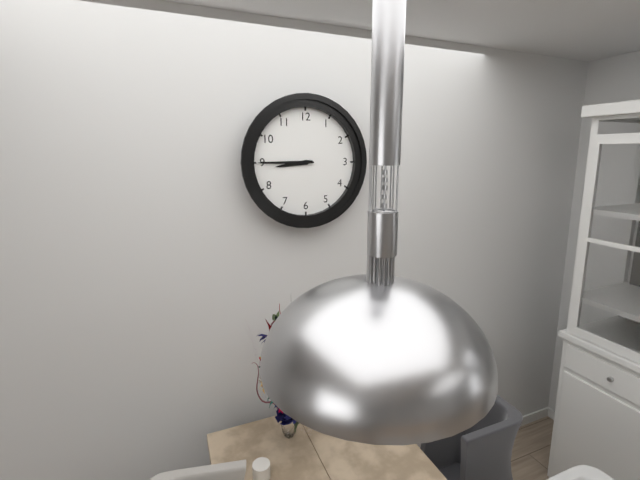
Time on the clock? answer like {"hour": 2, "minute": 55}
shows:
{"hour": 8, "minute": 45}
